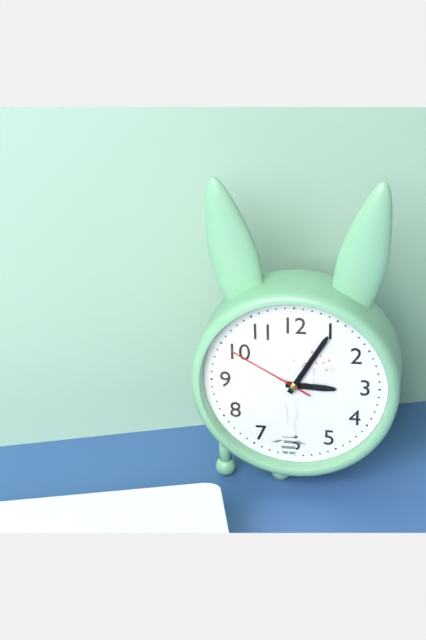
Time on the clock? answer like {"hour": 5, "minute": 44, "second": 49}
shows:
{"hour": 3, "minute": 5, "second": 50}
